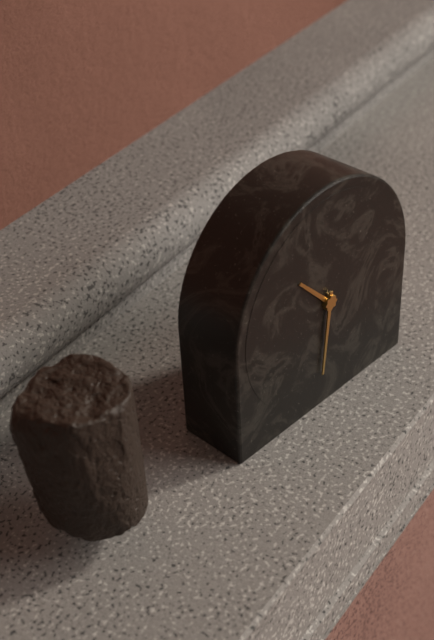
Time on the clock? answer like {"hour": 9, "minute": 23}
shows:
{"hour": 10, "minute": 31}
